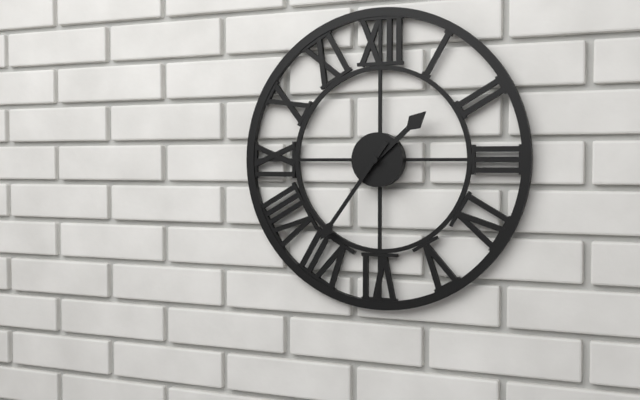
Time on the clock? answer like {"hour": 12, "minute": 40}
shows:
{"hour": 1, "minute": 36}
